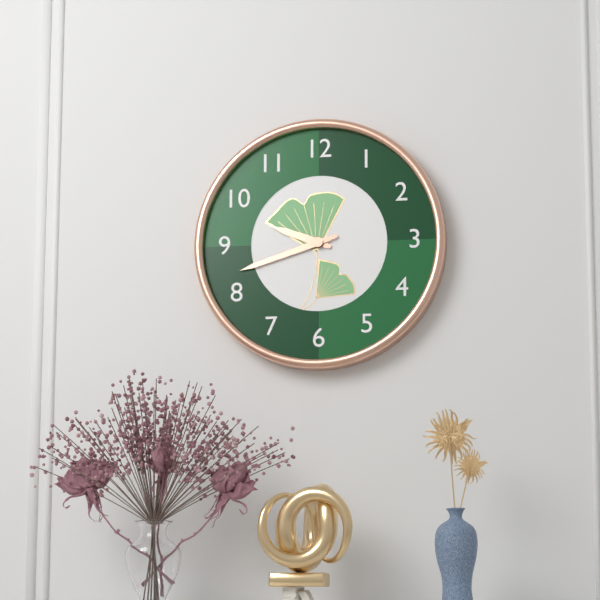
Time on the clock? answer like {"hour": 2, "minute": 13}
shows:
{"hour": 9, "minute": 42}
